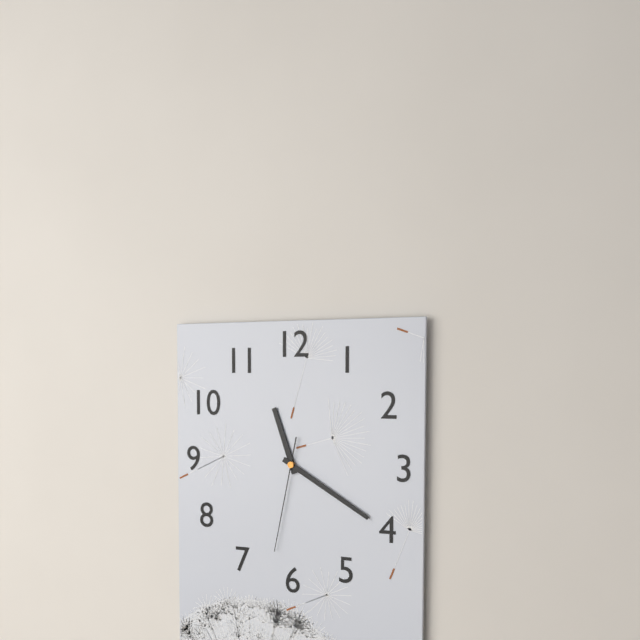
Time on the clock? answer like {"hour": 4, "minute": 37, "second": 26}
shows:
{"hour": 11, "minute": 20, "second": 32}
